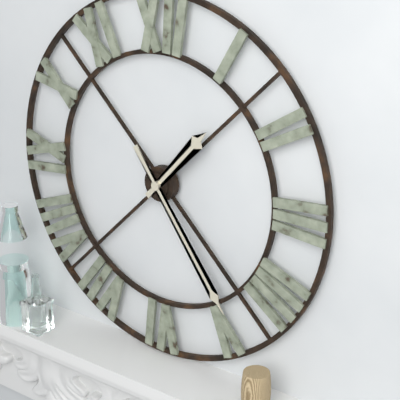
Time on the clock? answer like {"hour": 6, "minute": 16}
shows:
{"hour": 1, "minute": 24}
